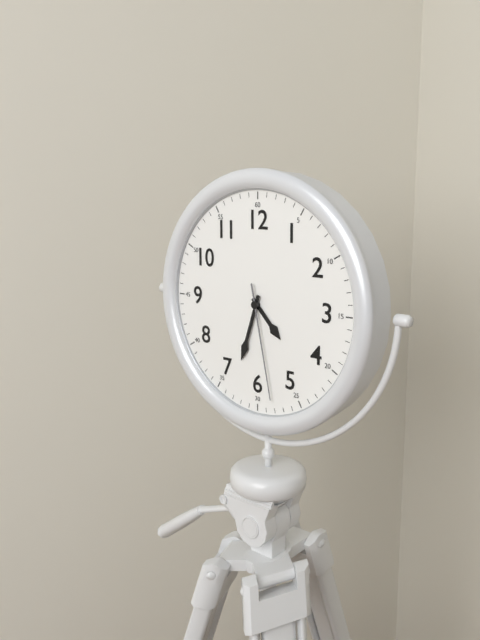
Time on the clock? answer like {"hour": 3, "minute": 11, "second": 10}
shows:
{"hour": 4, "minute": 33, "second": 28}
